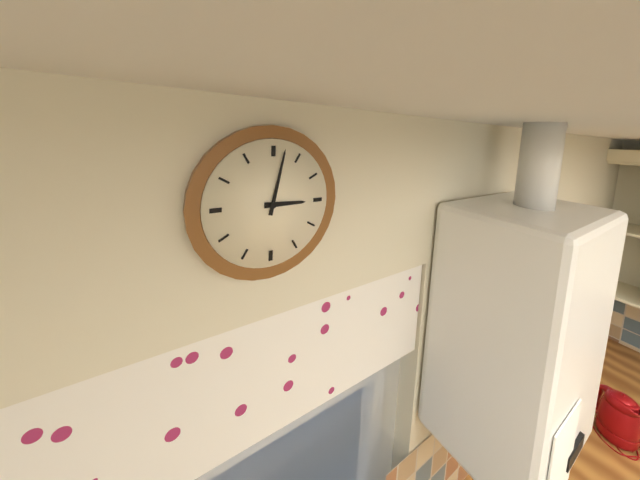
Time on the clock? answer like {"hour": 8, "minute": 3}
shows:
{"hour": 3, "minute": 2}
